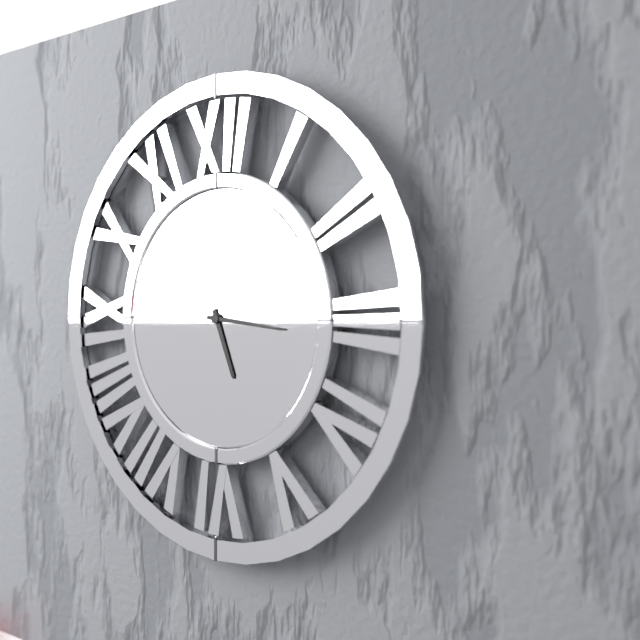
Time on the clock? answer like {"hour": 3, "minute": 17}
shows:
{"hour": 5, "minute": 16}
